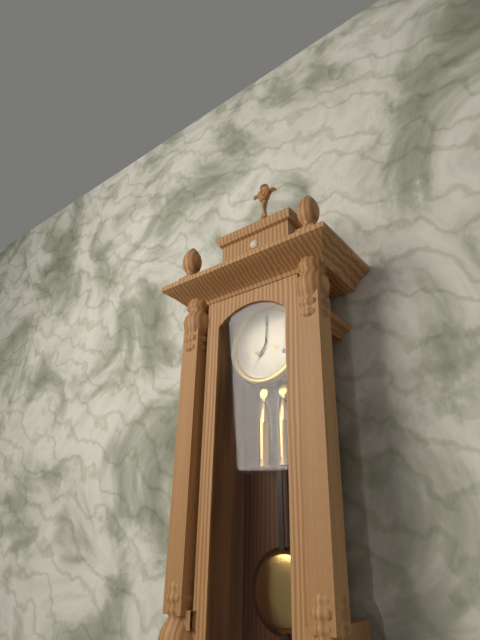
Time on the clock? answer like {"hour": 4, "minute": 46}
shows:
{"hour": 7, "minute": 1}
